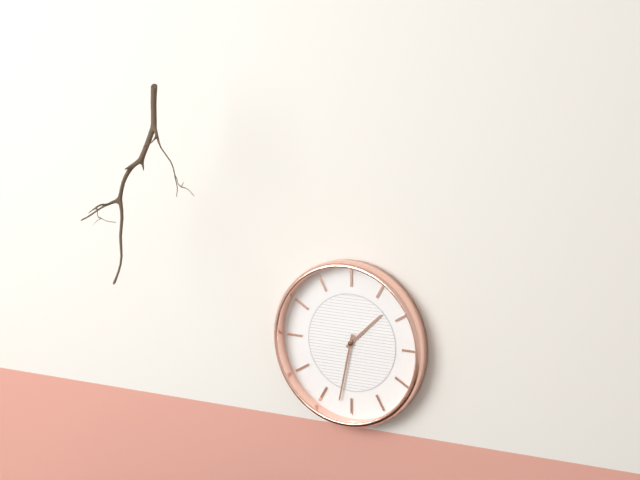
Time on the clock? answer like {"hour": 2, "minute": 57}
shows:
{"hour": 1, "minute": 32}
